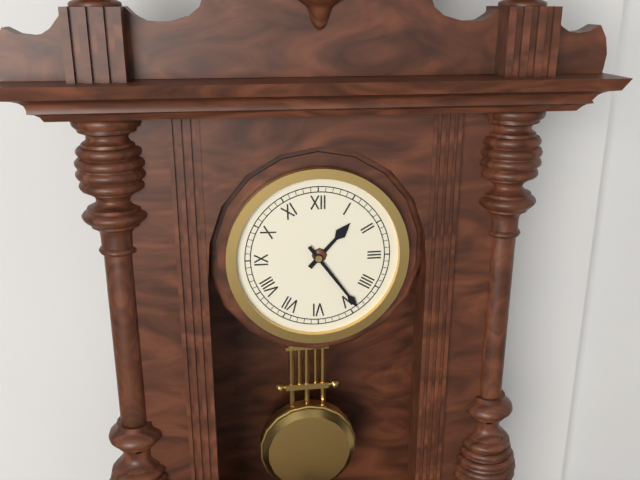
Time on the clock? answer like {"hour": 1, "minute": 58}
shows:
{"hour": 1, "minute": 24}
